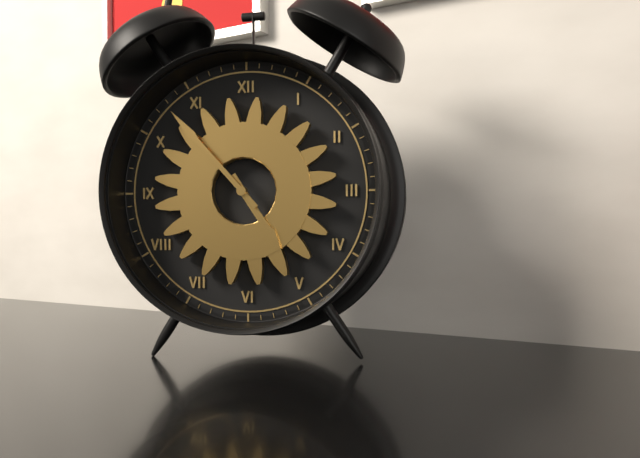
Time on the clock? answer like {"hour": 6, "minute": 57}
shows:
{"hour": 4, "minute": 53}
